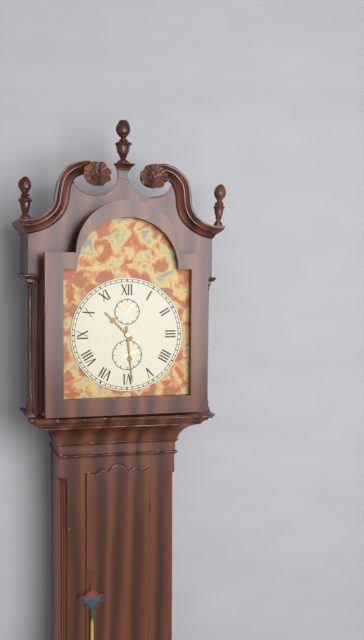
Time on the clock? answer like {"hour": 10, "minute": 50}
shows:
{"hour": 10, "minute": 29}
